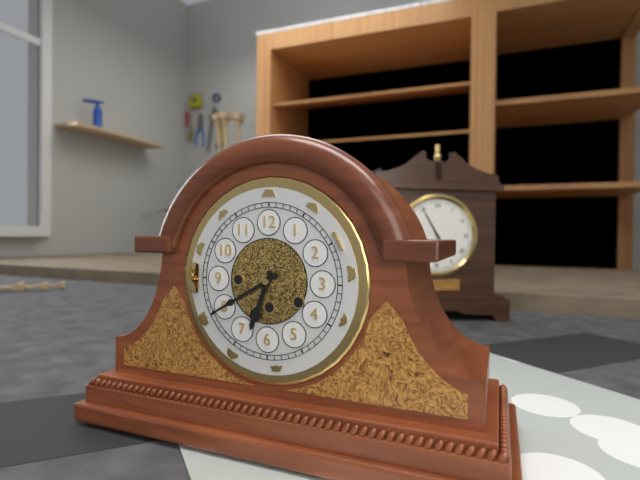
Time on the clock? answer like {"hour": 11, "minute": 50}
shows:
{"hour": 6, "minute": 40}
